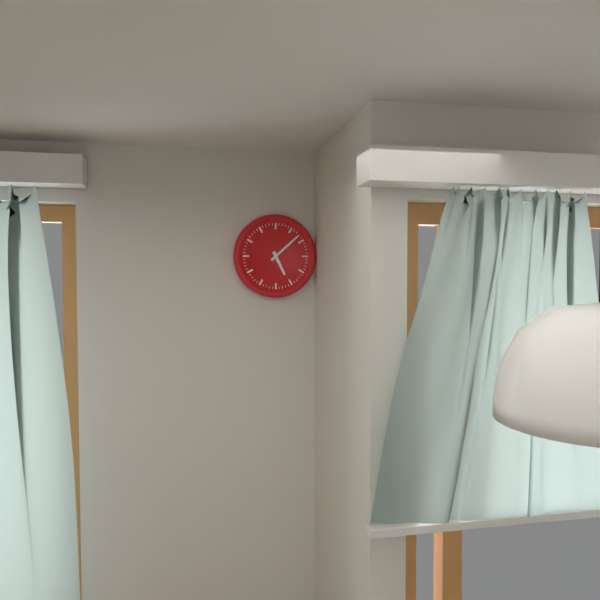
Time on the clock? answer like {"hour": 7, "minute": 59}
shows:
{"hour": 5, "minute": 8}
